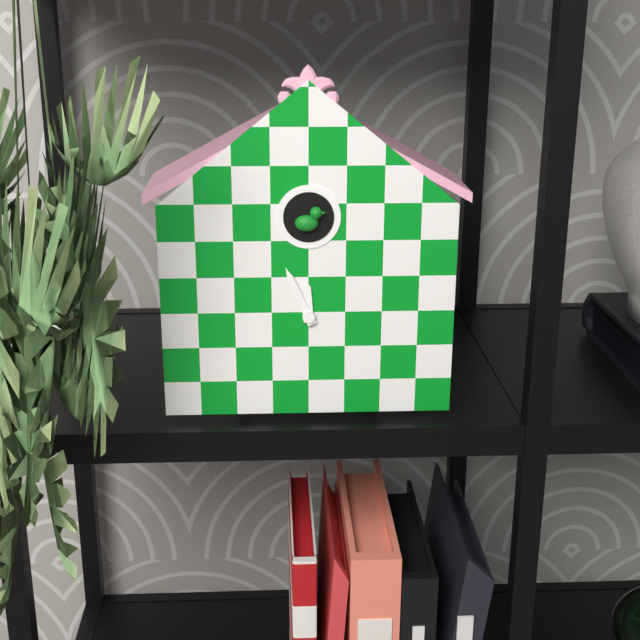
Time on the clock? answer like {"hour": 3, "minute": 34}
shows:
{"hour": 11, "minute": 56}
